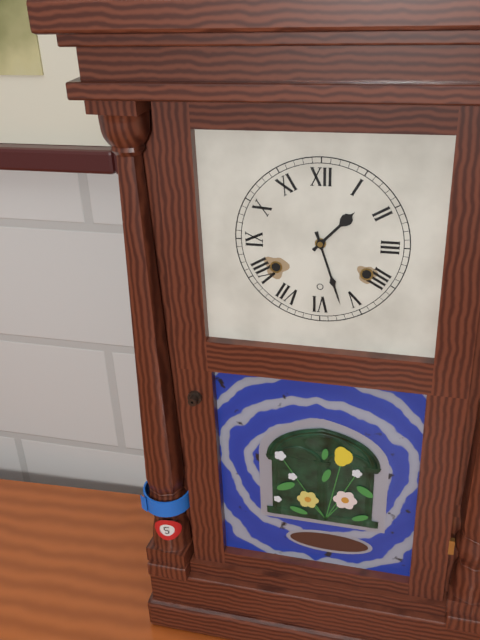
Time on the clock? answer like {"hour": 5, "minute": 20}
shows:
{"hour": 1, "minute": 27}
